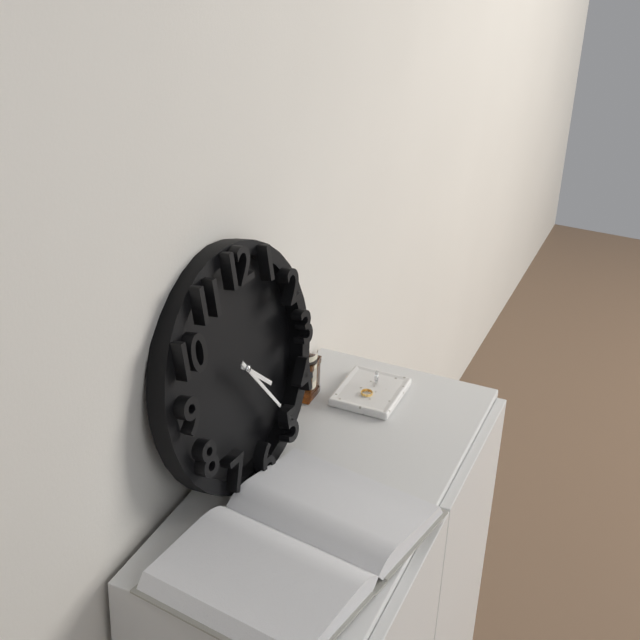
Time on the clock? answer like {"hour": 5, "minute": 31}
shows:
{"hour": 4, "minute": 24}
